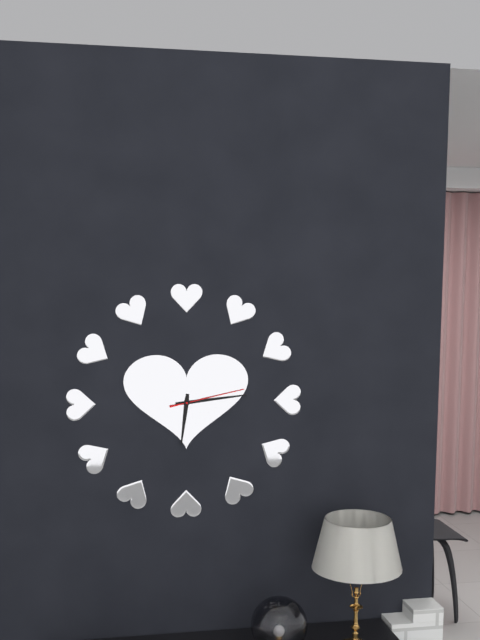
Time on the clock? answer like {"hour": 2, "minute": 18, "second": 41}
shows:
{"hour": 6, "minute": 14, "second": 13}
